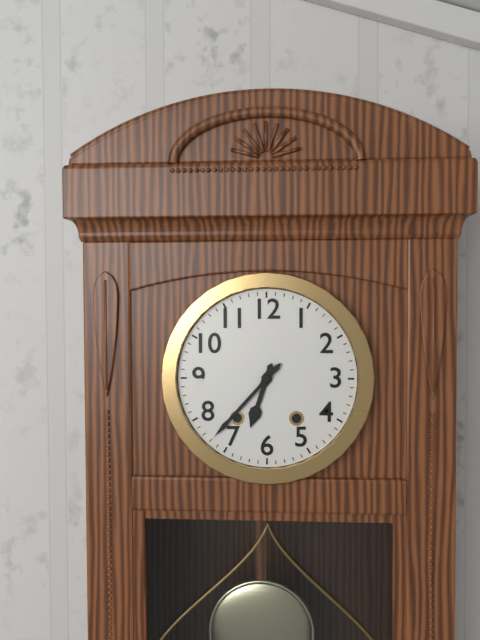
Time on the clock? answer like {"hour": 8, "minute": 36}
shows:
{"hour": 6, "minute": 37}
